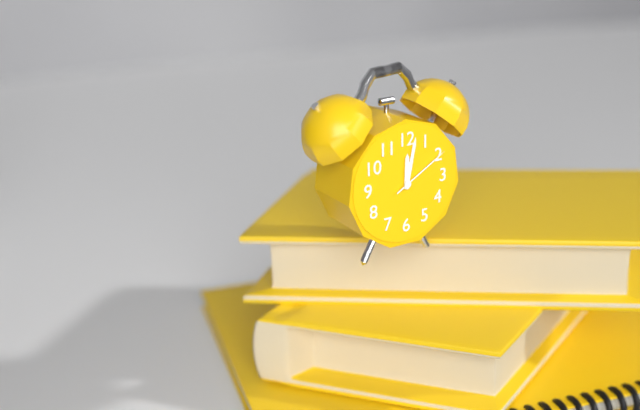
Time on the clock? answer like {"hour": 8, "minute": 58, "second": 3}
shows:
{"hour": 12, "minute": 2, "second": 10}
